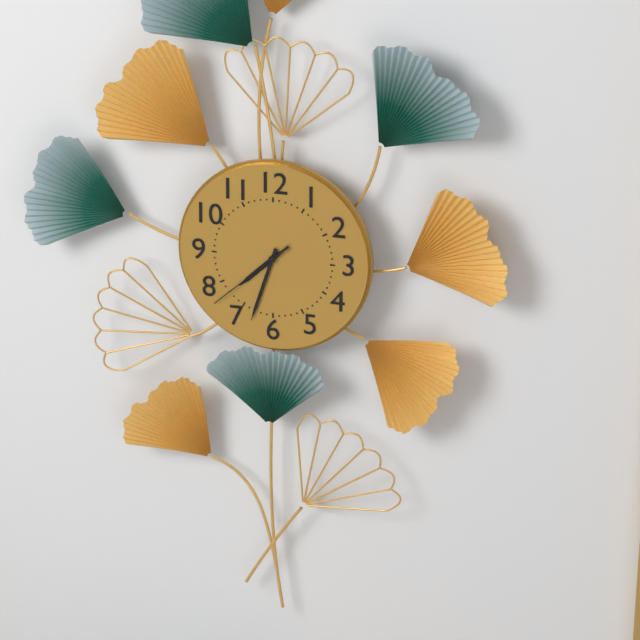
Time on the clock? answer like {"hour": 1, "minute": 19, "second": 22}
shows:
{"hour": 7, "minute": 33, "second": 38}
